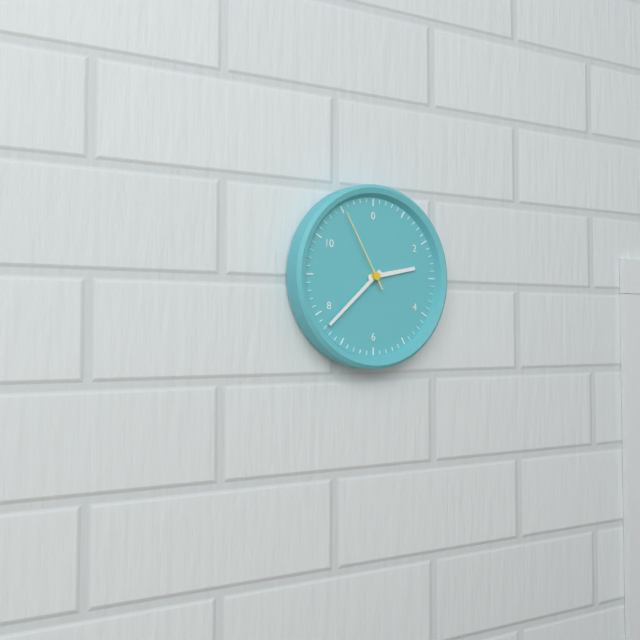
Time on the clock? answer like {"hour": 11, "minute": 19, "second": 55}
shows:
{"hour": 2, "minute": 38, "second": 55}
